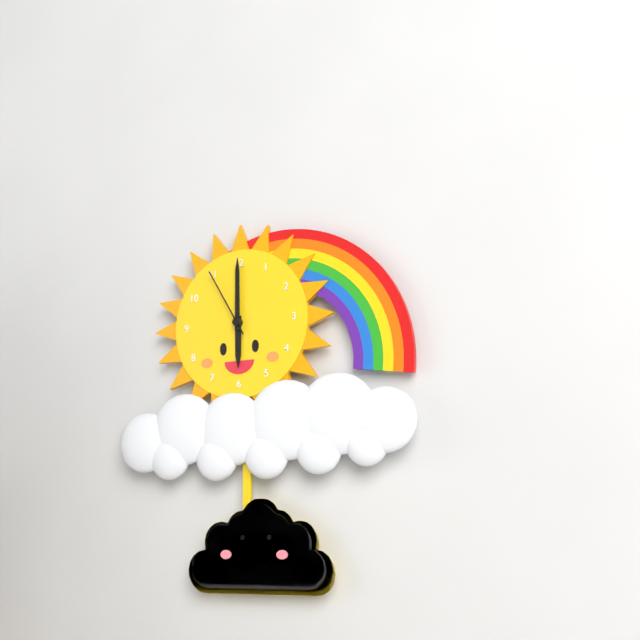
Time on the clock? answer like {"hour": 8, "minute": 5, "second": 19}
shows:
{"hour": 6, "minute": 0, "second": 55}
